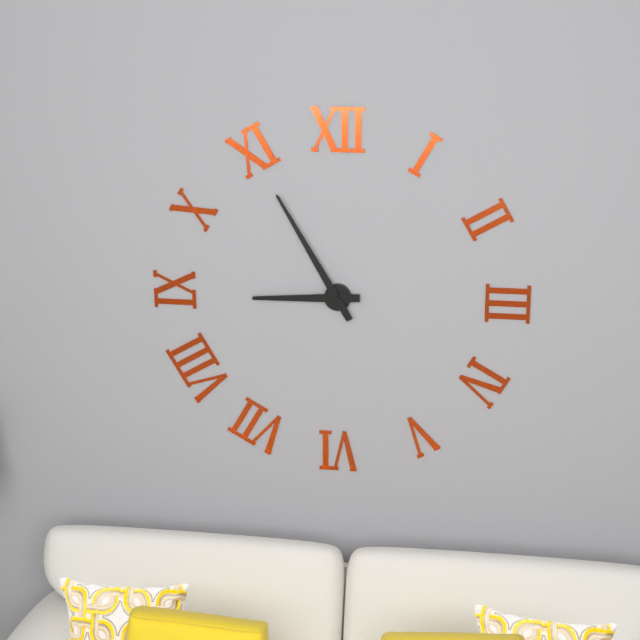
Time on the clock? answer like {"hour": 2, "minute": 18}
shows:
{"hour": 8, "minute": 55}
